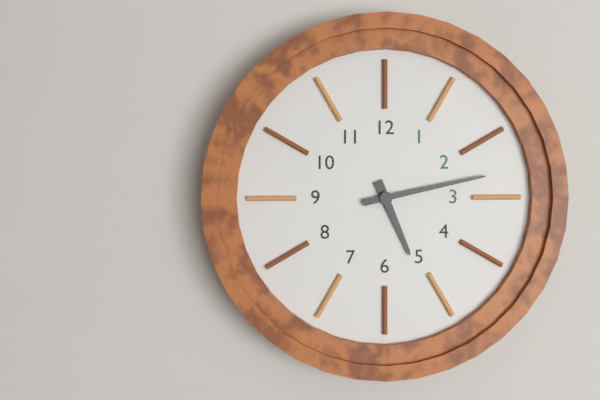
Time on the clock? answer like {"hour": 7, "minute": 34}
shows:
{"hour": 5, "minute": 13}
